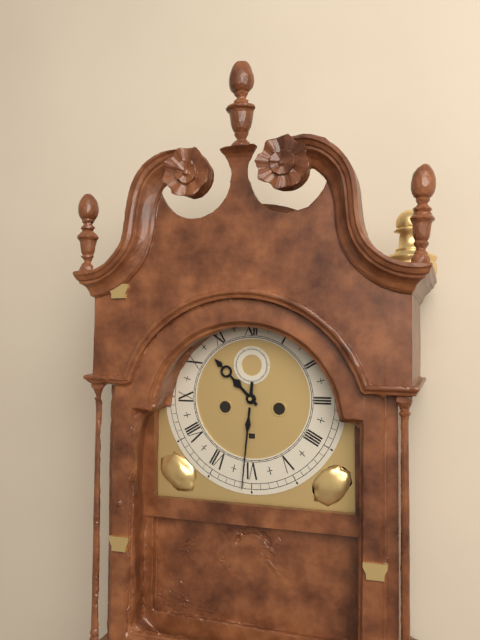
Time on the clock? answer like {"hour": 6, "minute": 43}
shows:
{"hour": 10, "minute": 31}
